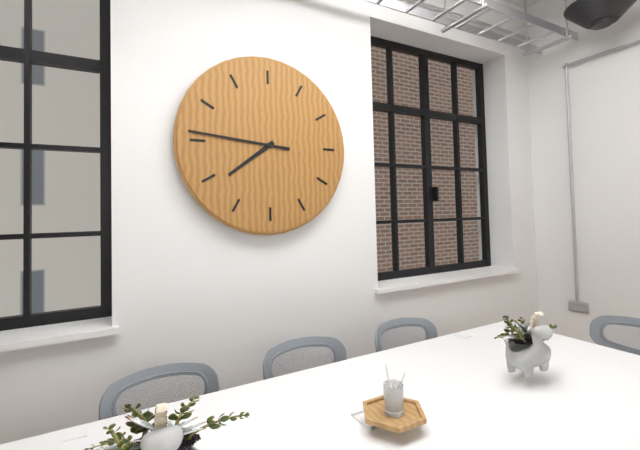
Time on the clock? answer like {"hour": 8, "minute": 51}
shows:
{"hour": 7, "minute": 46}
